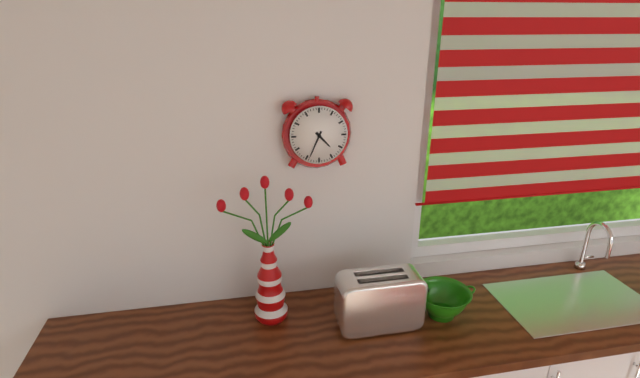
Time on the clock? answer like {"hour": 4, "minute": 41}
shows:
{"hour": 4, "minute": 34}
